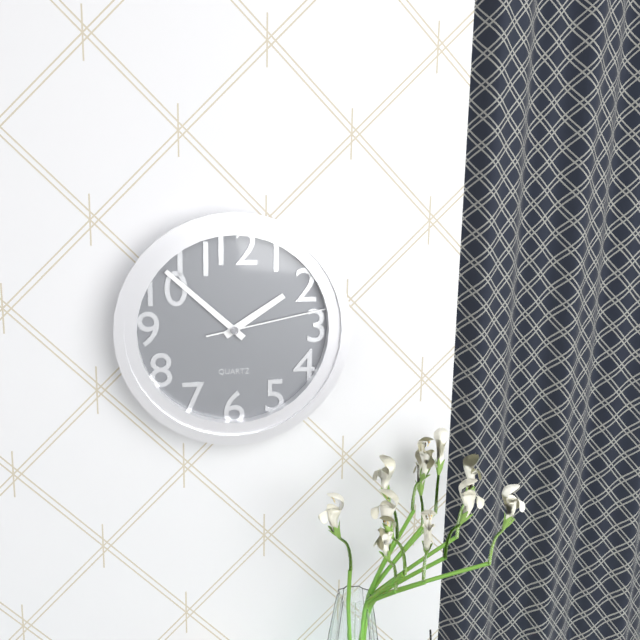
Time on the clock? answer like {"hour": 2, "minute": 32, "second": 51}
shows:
{"hour": 1, "minute": 52, "second": 13}
